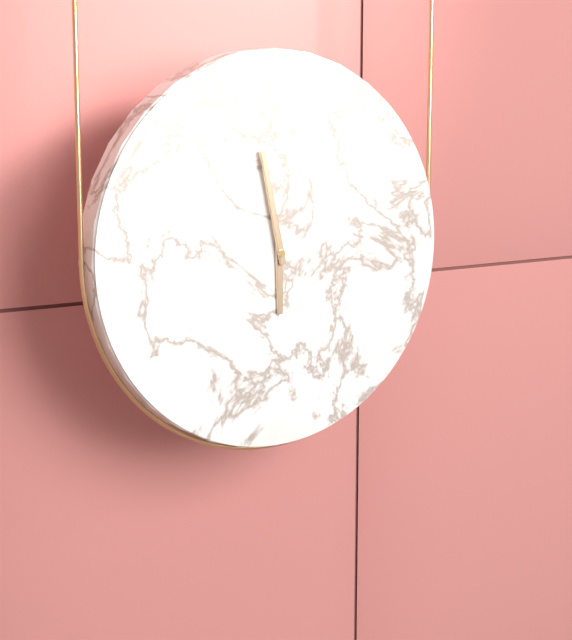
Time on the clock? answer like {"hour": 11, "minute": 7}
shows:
{"hour": 5, "minute": 58}
